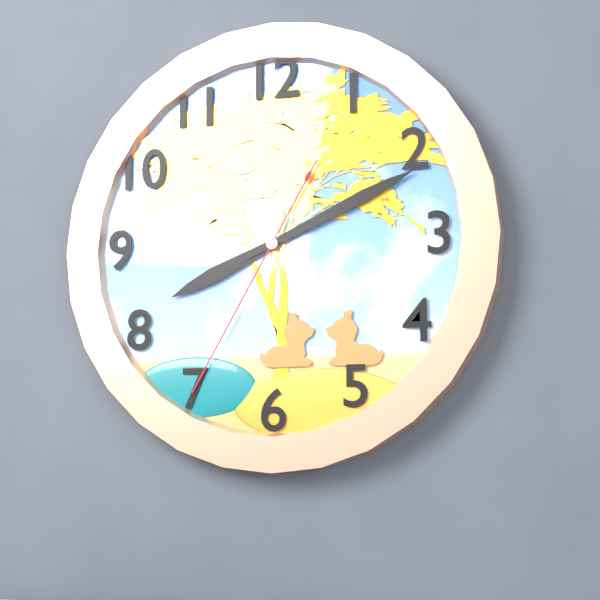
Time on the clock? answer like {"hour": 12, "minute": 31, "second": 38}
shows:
{"hour": 8, "minute": 11, "second": 35}
